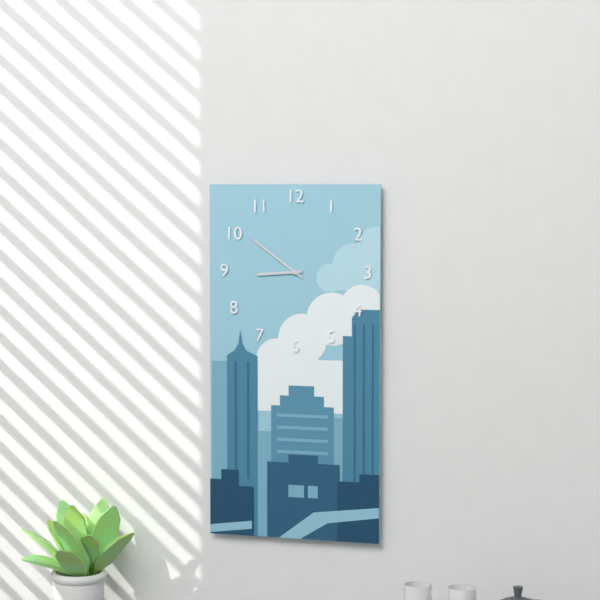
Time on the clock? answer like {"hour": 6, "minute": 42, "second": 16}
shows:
{"hour": 8, "minute": 51, "second": 51}
